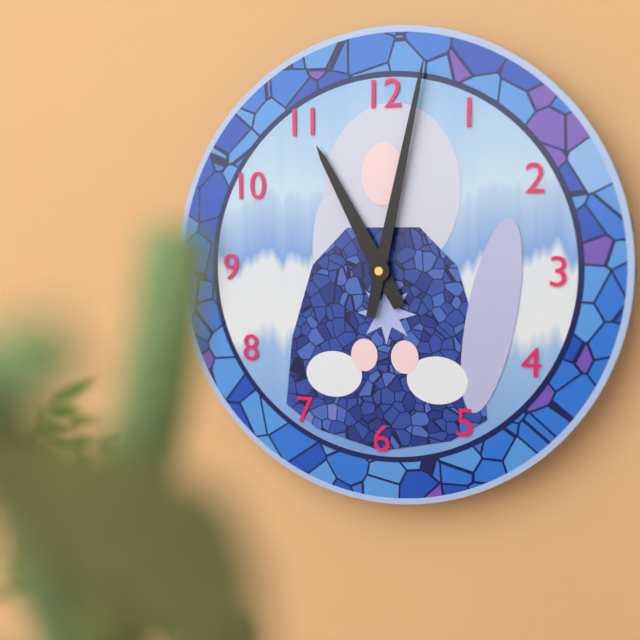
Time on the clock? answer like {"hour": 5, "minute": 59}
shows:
{"hour": 11, "minute": 2}
